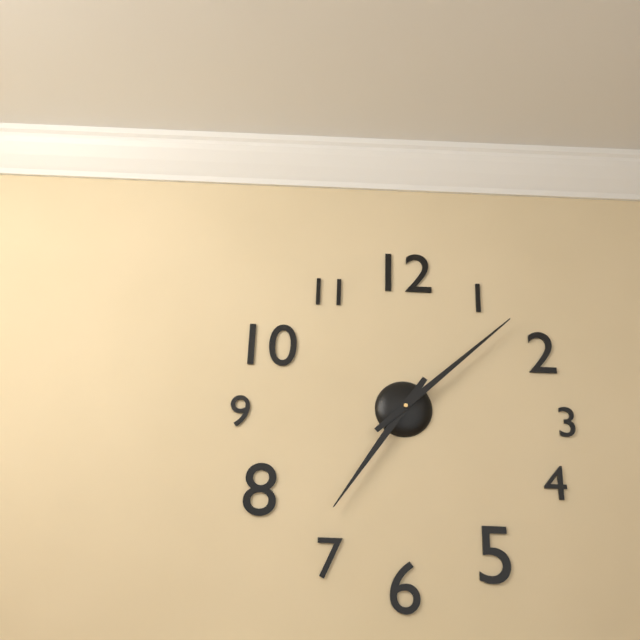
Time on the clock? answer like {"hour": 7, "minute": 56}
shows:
{"hour": 7, "minute": 8}
